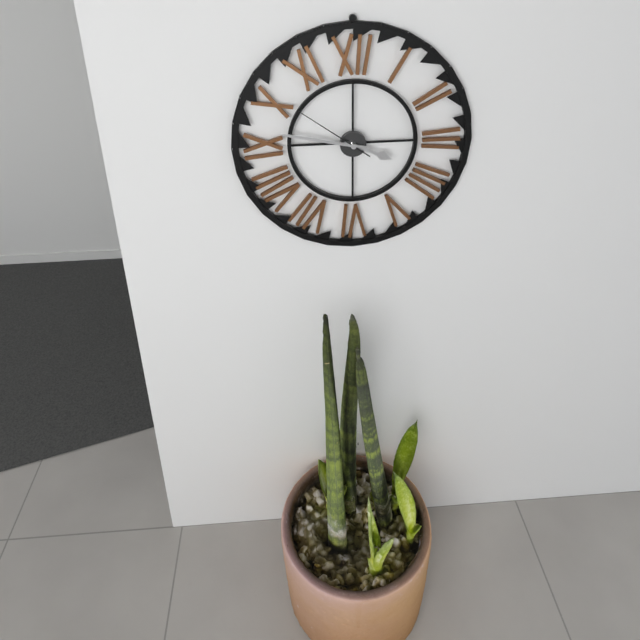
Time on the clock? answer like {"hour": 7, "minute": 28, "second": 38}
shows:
{"hour": 3, "minute": 47, "second": 51}
